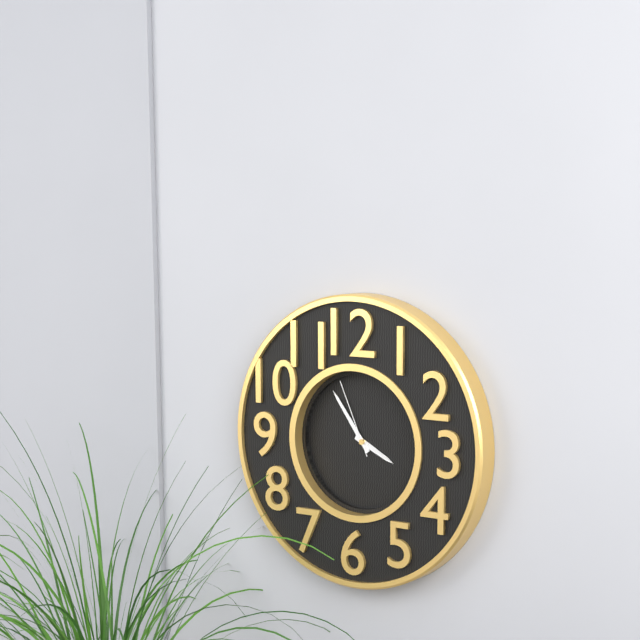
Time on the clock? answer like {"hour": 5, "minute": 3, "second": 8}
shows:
{"hour": 3, "minute": 54, "second": 56}
